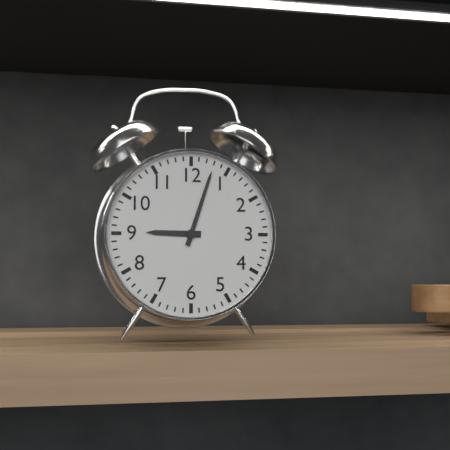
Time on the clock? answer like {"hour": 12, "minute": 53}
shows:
{"hour": 9, "minute": 3}
